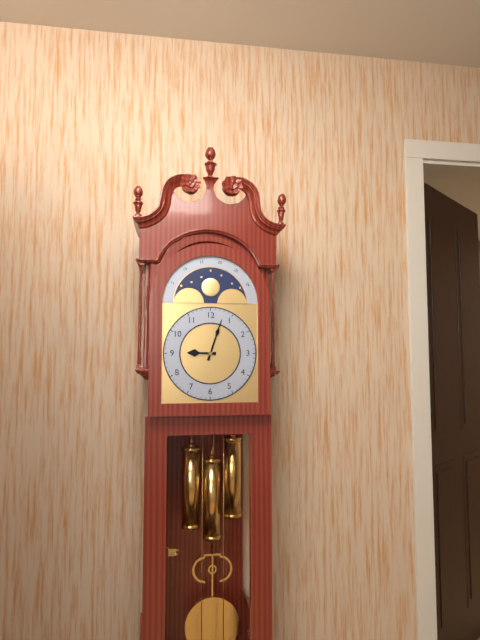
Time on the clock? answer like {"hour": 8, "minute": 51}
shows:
{"hour": 9, "minute": 3}
